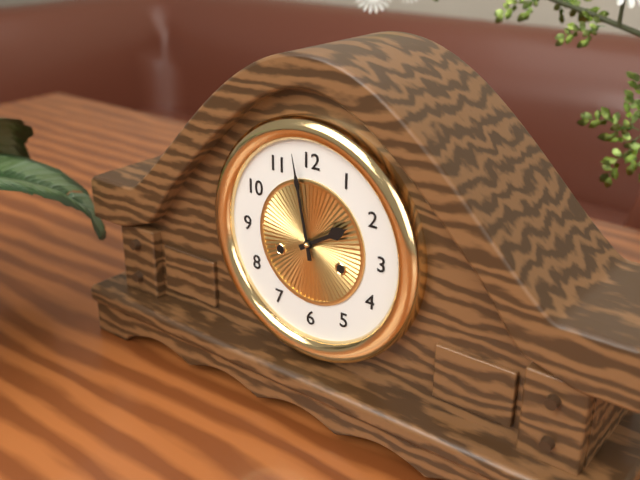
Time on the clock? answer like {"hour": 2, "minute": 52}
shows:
{"hour": 1, "minute": 58}
